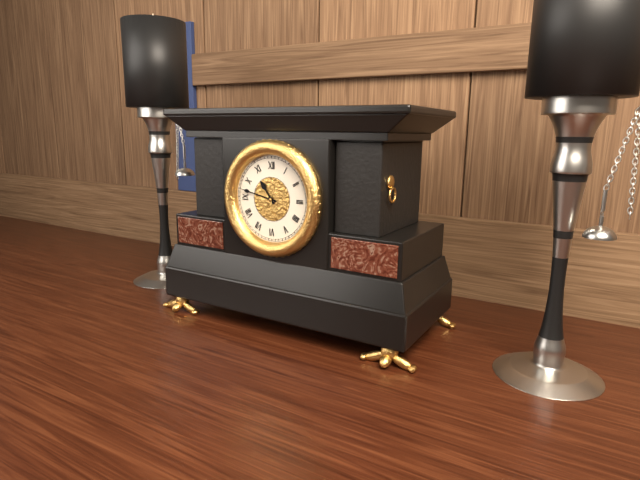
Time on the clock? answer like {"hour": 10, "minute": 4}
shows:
{"hour": 10, "minute": 47}
